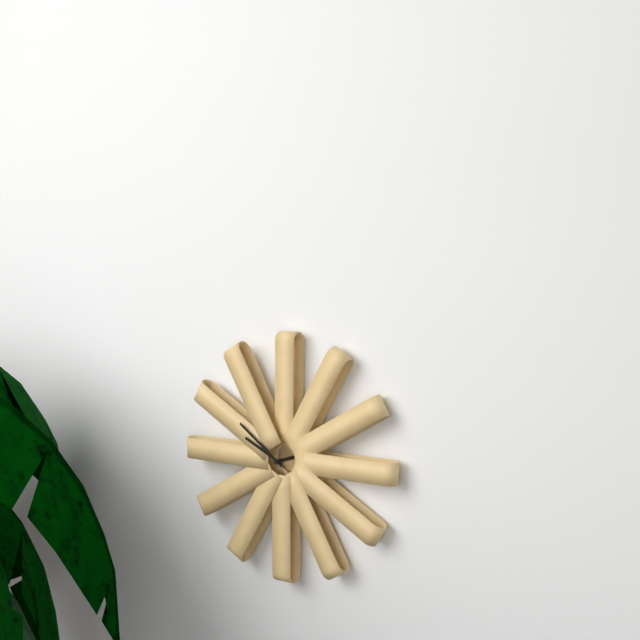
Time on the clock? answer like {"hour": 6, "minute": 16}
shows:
{"hour": 9, "minute": 51}
